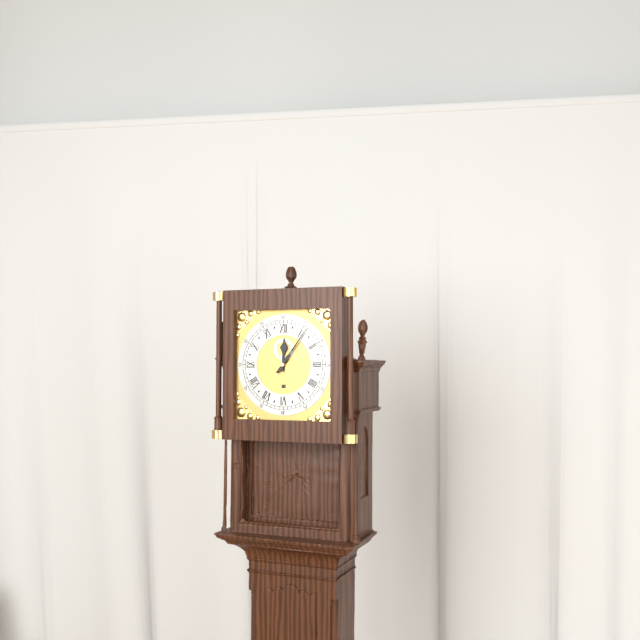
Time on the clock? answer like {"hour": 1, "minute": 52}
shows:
{"hour": 12, "minute": 6}
